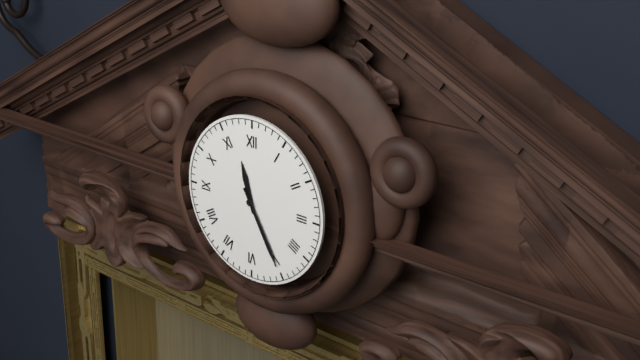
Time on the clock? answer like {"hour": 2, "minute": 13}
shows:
{"hour": 11, "minute": 25}
